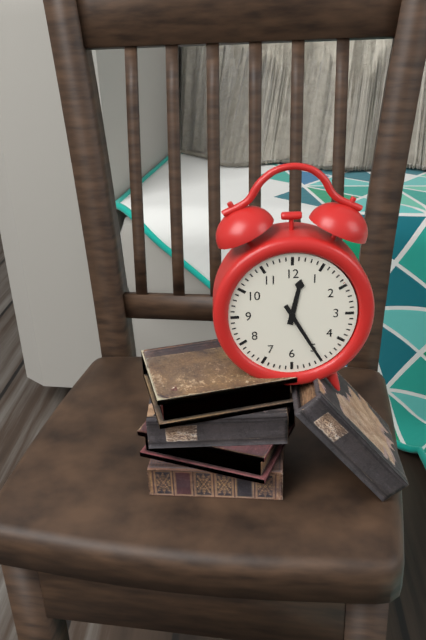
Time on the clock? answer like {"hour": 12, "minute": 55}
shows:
{"hour": 12, "minute": 25}
